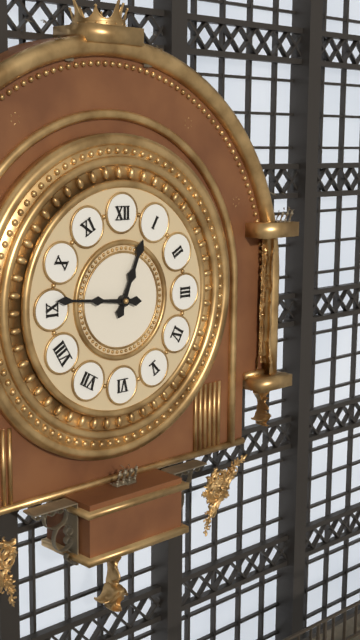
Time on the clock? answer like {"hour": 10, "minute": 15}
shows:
{"hour": 12, "minute": 46}
